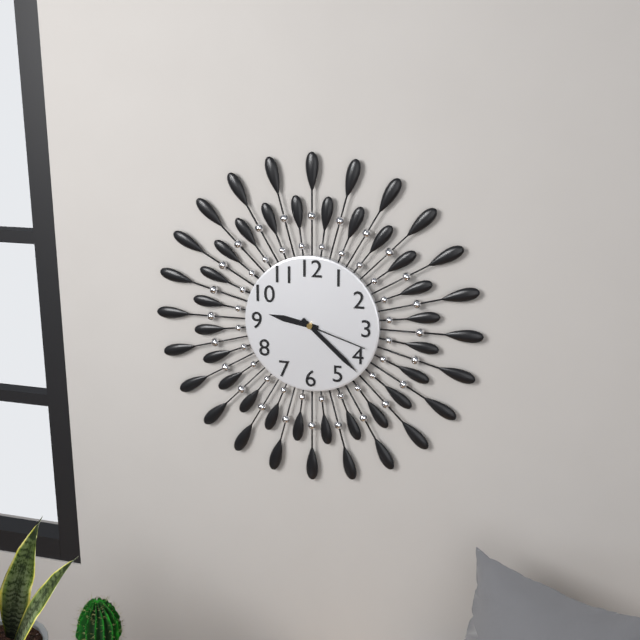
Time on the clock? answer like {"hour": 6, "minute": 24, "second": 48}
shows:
{"hour": 9, "minute": 22, "second": 18}
